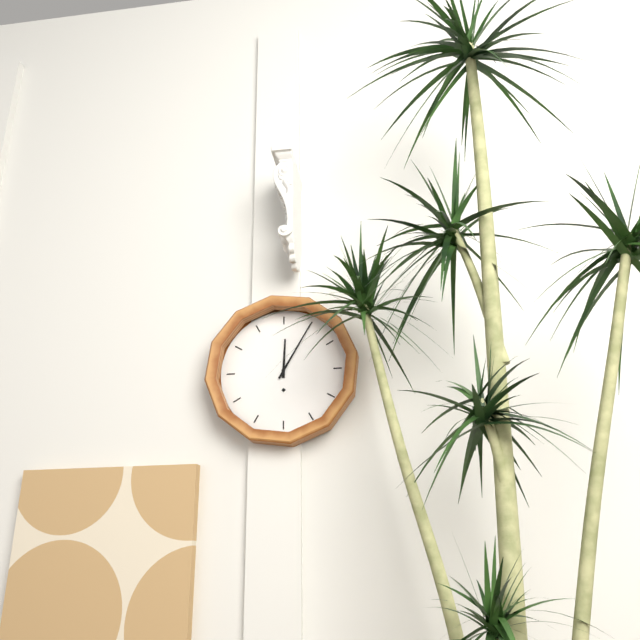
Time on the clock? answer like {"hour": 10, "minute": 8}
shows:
{"hour": 12, "minute": 5}
